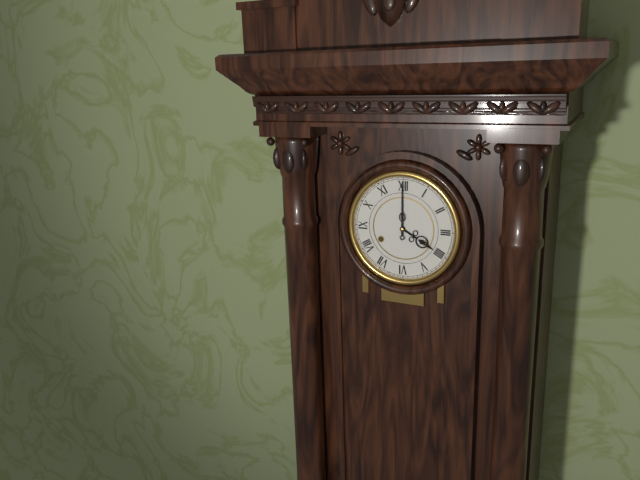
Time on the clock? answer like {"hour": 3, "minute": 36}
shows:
{"hour": 4, "minute": 0}
